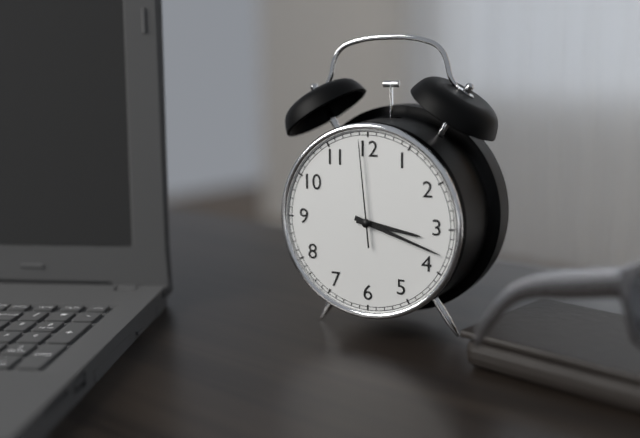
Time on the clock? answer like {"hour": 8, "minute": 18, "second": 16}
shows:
{"hour": 3, "minute": 18, "second": 59}
